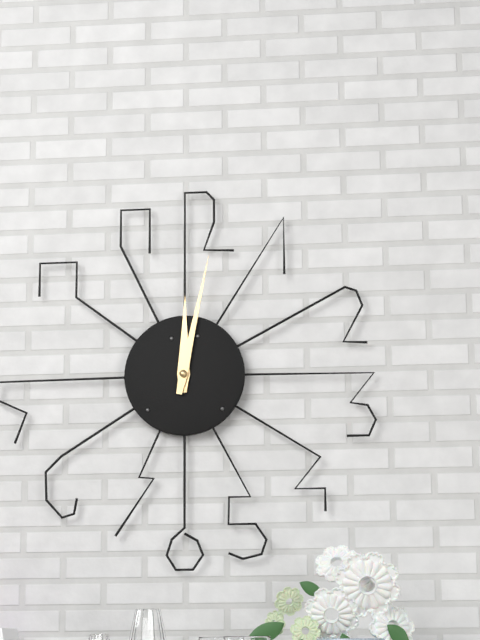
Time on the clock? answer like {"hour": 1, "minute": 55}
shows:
{"hour": 12, "minute": 2}
